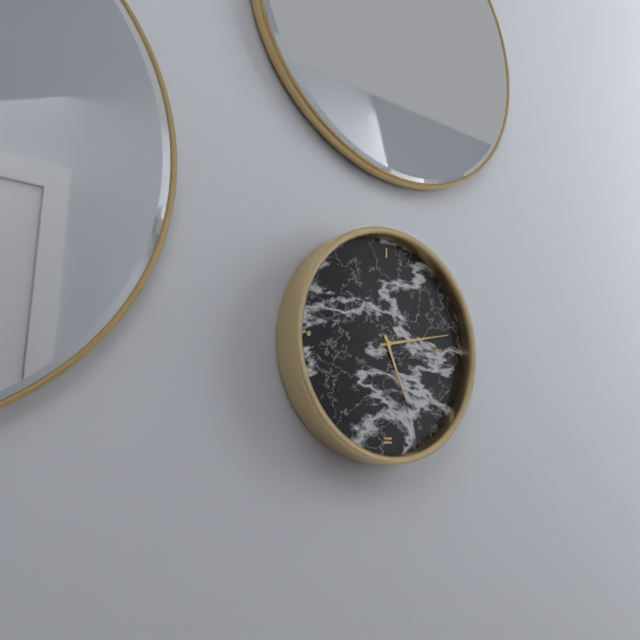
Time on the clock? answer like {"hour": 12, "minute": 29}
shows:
{"hour": 5, "minute": 13}
